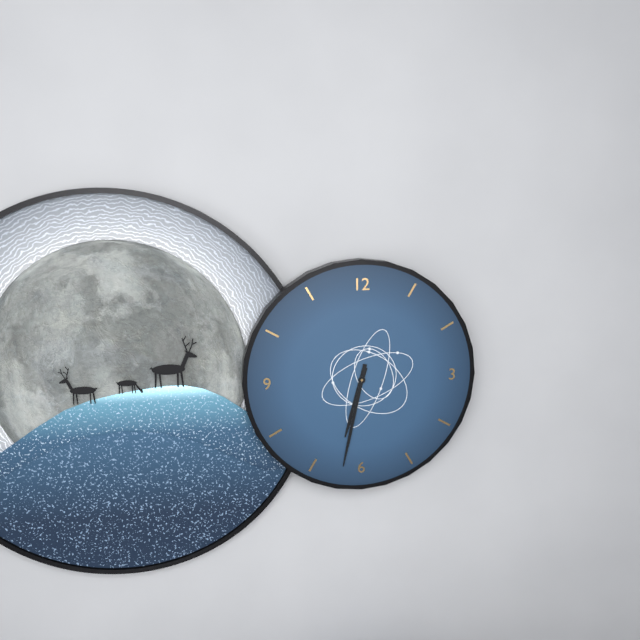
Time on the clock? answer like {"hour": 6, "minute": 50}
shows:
{"hour": 6, "minute": 32}
